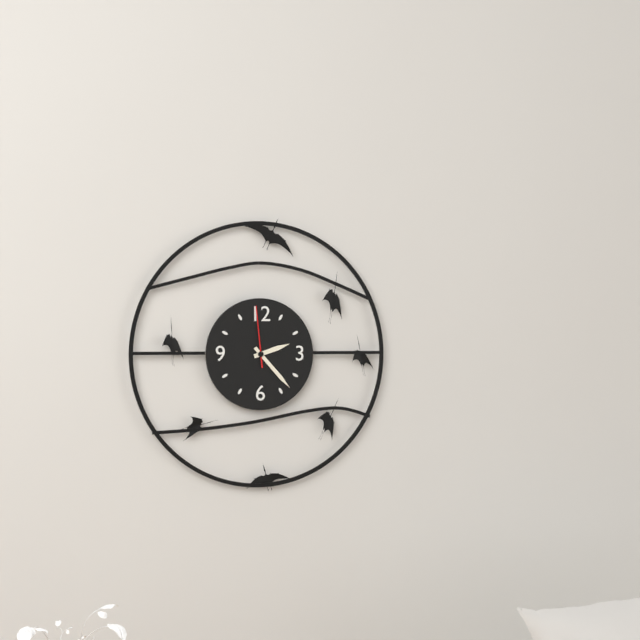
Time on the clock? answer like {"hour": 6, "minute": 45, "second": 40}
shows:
{"hour": 2, "minute": 23, "second": 59}
